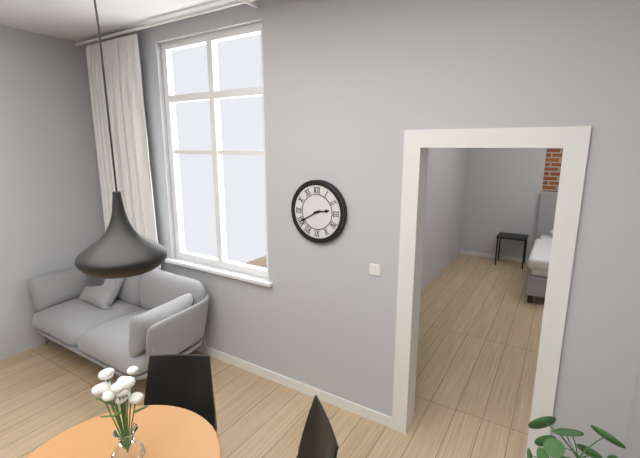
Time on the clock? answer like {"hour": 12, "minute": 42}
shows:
{"hour": 2, "minute": 40}
